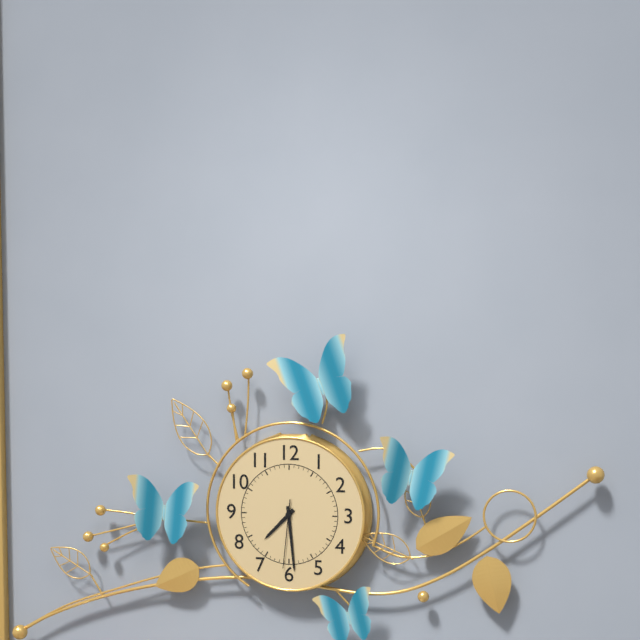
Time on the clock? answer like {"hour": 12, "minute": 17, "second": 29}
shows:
{"hour": 7, "minute": 29, "second": 31}
